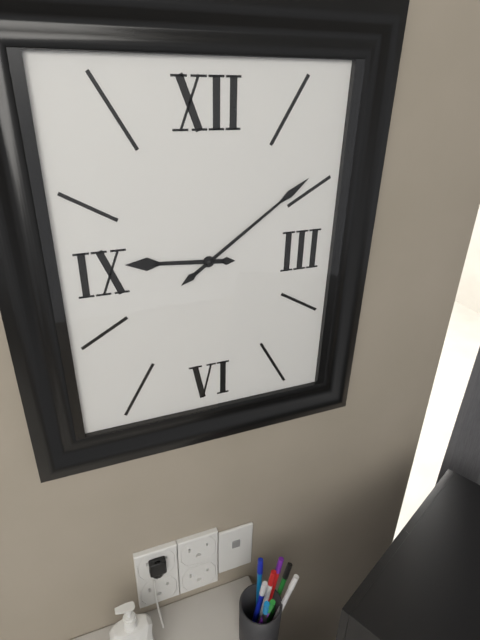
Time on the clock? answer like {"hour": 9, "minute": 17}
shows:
{"hour": 9, "minute": 9}
